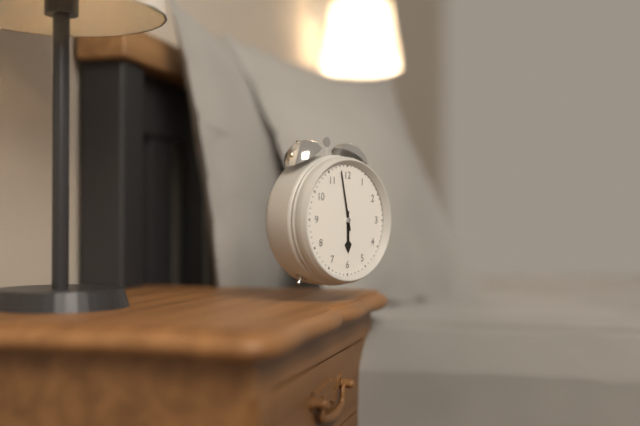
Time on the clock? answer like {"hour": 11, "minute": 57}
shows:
{"hour": 5, "minute": 58}
